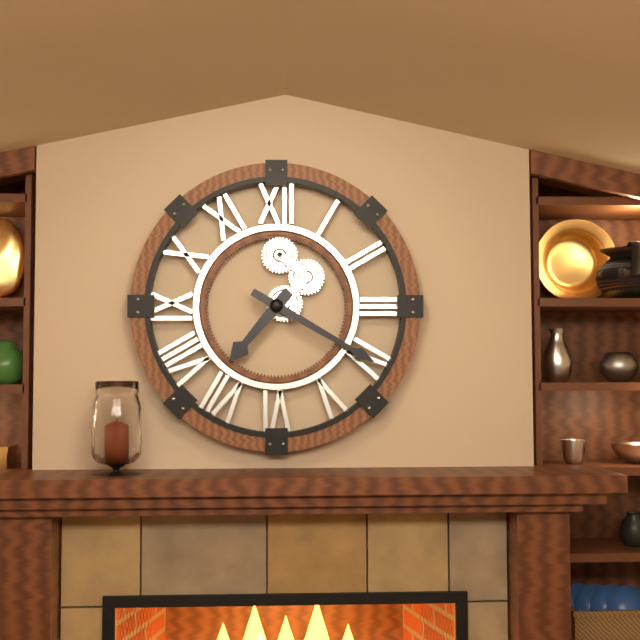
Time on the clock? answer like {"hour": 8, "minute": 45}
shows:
{"hour": 7, "minute": 20}
